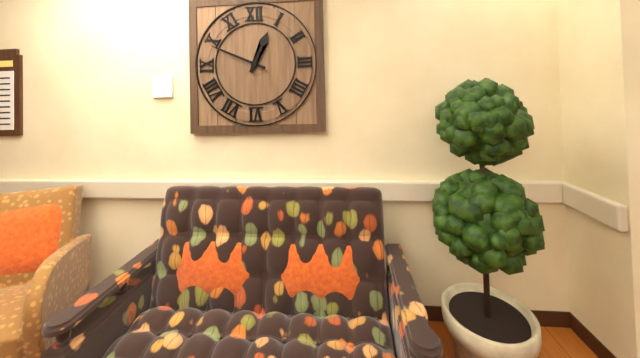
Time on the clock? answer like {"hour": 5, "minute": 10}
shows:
{"hour": 12, "minute": 49}
